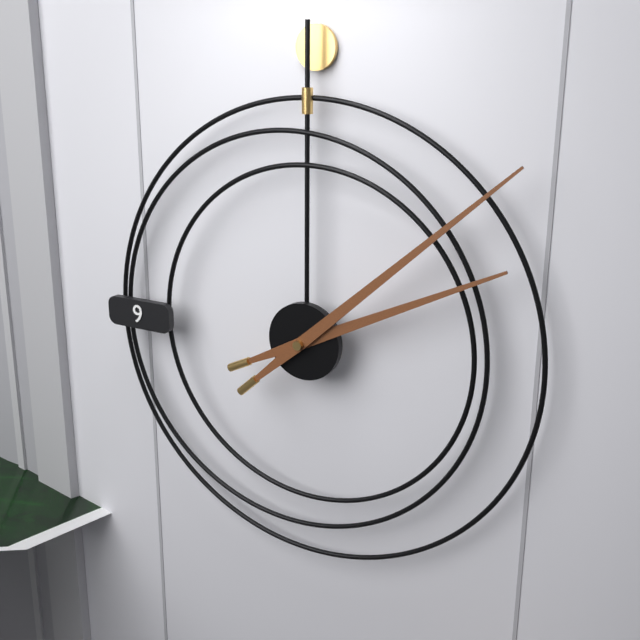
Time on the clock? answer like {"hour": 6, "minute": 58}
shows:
{"hour": 2, "minute": 8}
